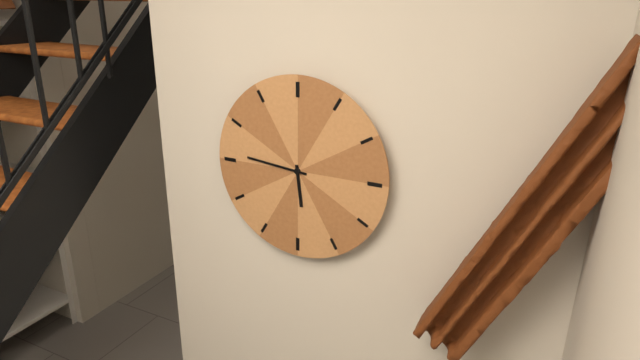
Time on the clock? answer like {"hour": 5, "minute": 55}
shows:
{"hour": 5, "minute": 46}
